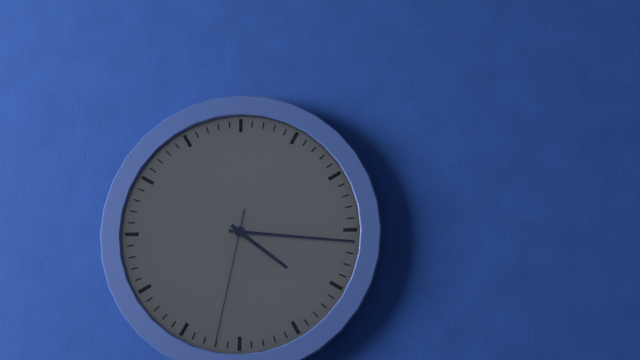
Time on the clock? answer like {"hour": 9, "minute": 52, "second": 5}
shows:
{"hour": 4, "minute": 16, "second": 32}
